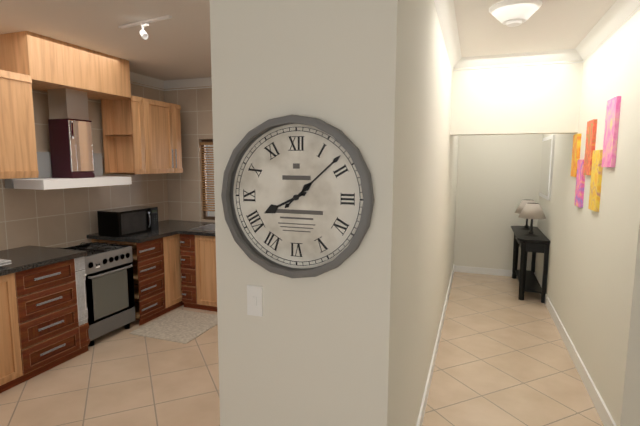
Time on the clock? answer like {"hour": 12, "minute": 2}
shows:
{"hour": 8, "minute": 8}
